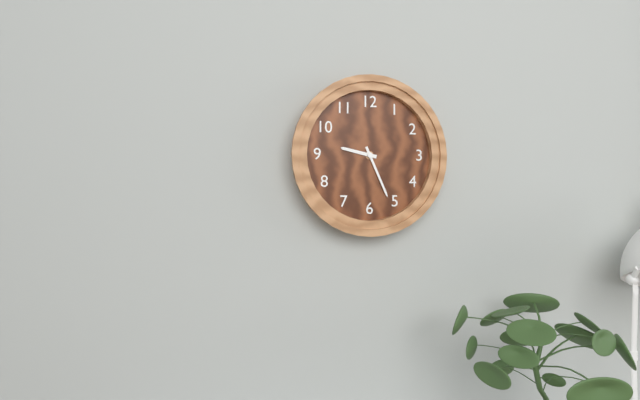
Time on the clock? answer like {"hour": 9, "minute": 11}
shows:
{"hour": 9, "minute": 26}
